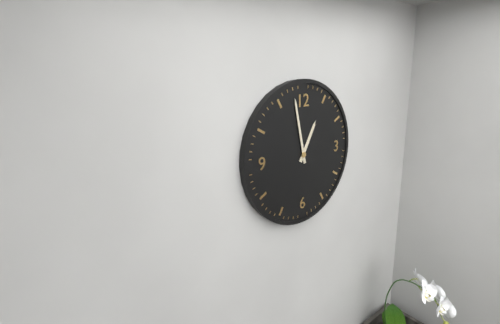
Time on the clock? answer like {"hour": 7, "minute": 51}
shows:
{"hour": 12, "minute": 58}
